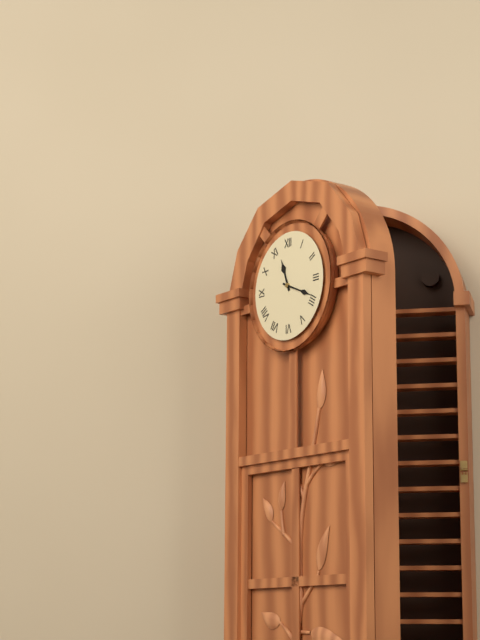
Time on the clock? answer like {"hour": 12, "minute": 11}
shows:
{"hour": 11, "minute": 19}
